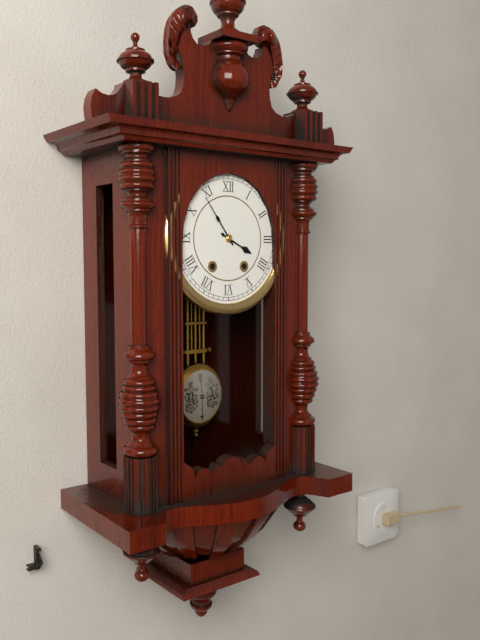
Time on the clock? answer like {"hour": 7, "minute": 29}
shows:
{"hour": 3, "minute": 54}
